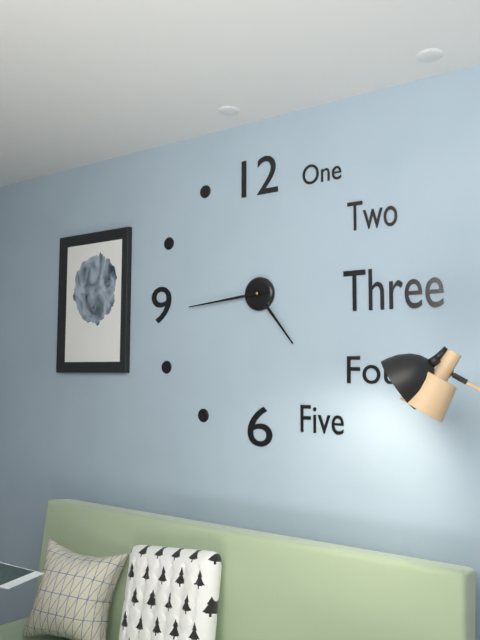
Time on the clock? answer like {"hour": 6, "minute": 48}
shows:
{"hour": 4, "minute": 44}
